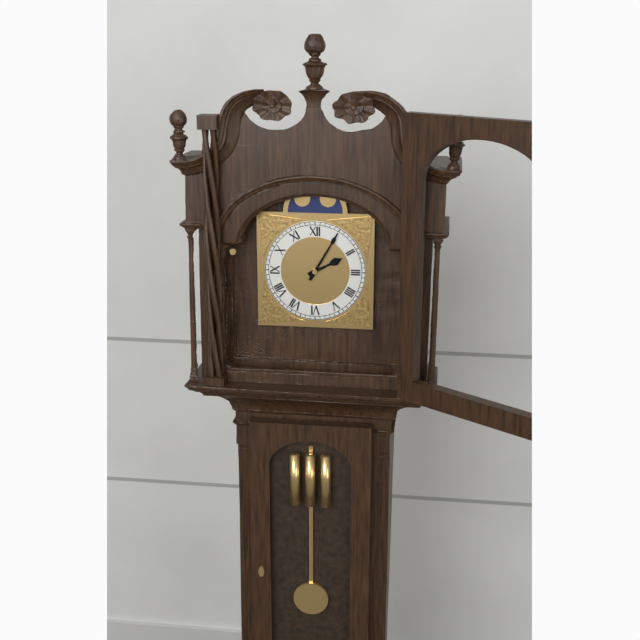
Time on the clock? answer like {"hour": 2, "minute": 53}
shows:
{"hour": 2, "minute": 5}
